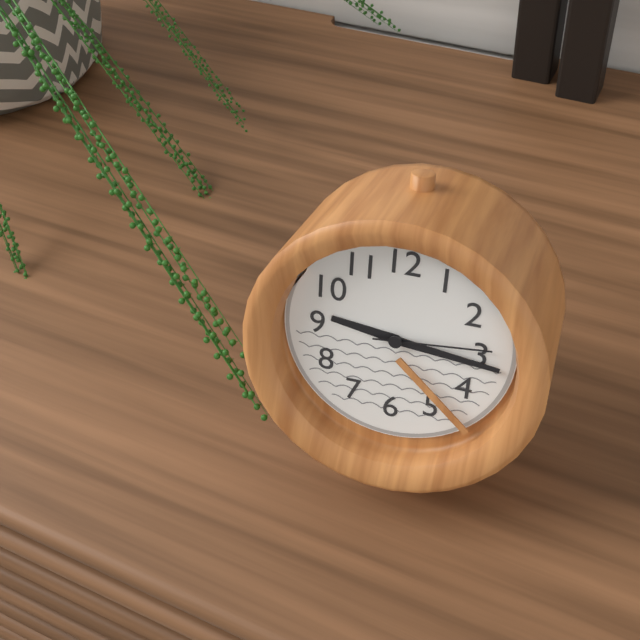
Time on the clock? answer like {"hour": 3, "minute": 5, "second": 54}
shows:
{"hour": 9, "minute": 16, "second": 14}
